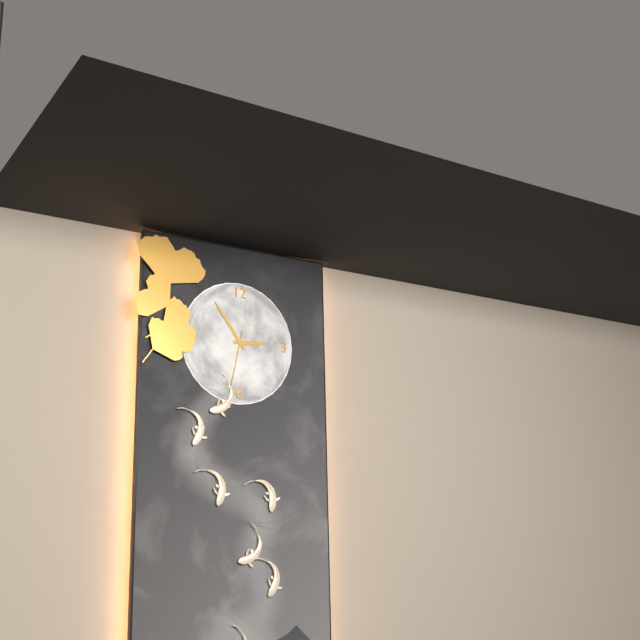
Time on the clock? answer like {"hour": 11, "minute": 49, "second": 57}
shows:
{"hour": 2, "minute": 54, "second": 32}
